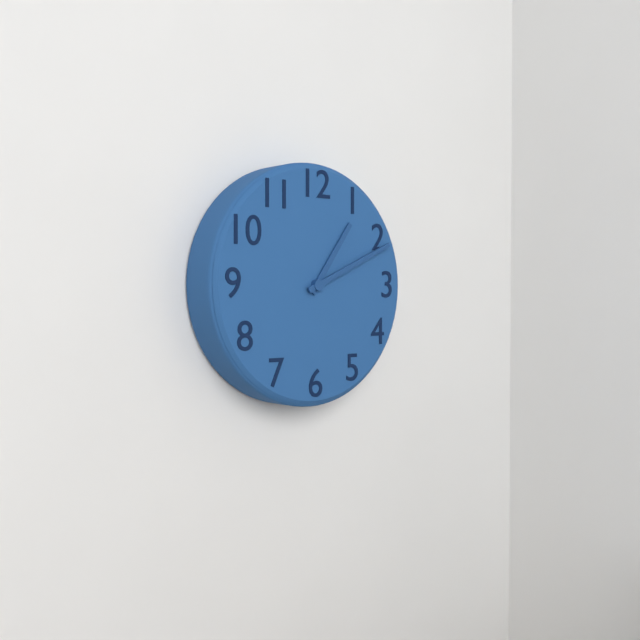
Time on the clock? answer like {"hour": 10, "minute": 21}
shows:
{"hour": 1, "minute": 11}
